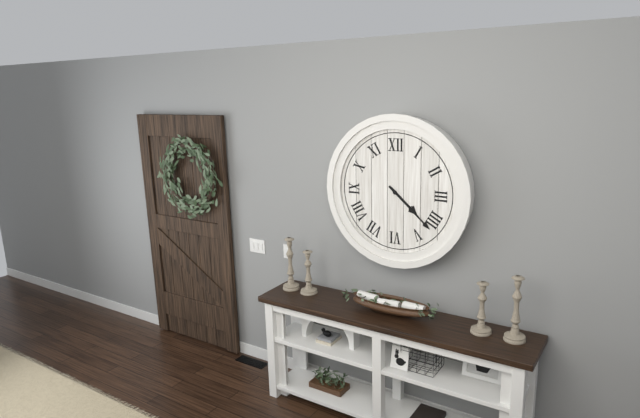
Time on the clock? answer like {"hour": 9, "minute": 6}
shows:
{"hour": 4, "minute": 22}
